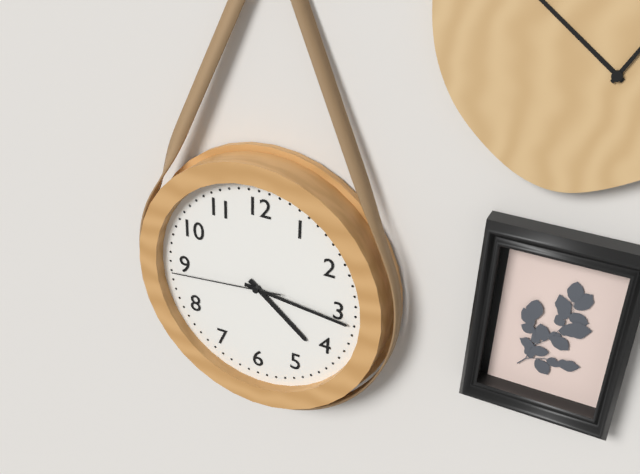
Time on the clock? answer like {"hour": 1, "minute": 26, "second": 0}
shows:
{"hour": 4, "minute": 16, "second": 44}
